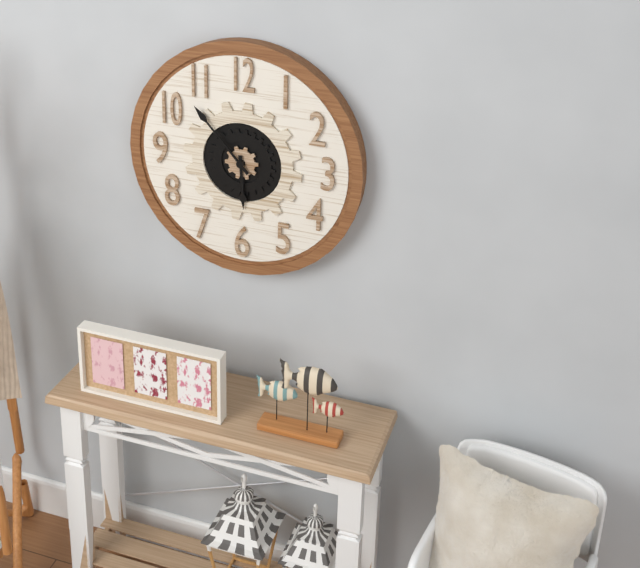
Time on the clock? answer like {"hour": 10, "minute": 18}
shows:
{"hour": 5, "minute": 53}
